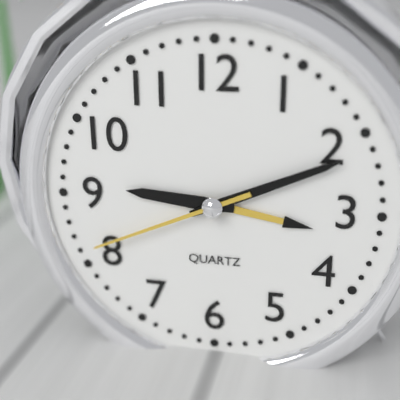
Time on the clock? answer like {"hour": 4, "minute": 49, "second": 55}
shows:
{"hour": 9, "minute": 11, "second": 41}
